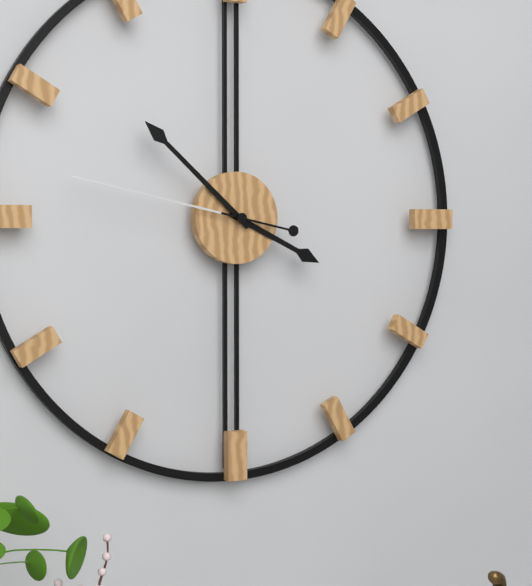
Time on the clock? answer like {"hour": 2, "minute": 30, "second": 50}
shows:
{"hour": 3, "minute": 52, "second": 47}
